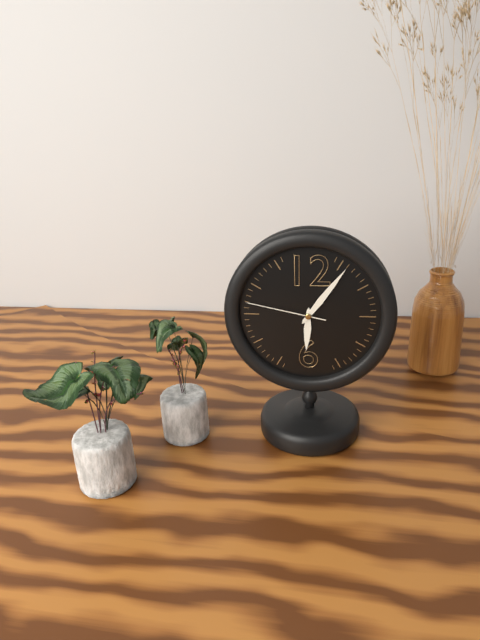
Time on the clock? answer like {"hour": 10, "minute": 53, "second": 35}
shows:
{"hour": 6, "minute": 6, "second": 47}
